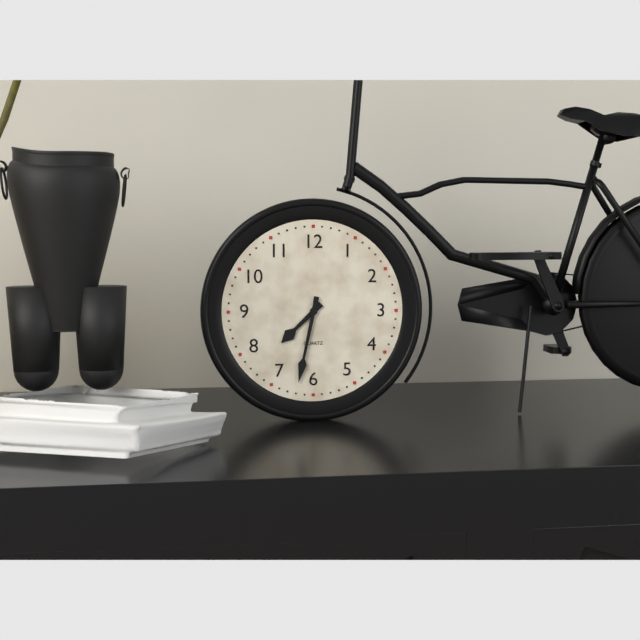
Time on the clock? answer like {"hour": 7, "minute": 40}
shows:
{"hour": 7, "minute": 32}
